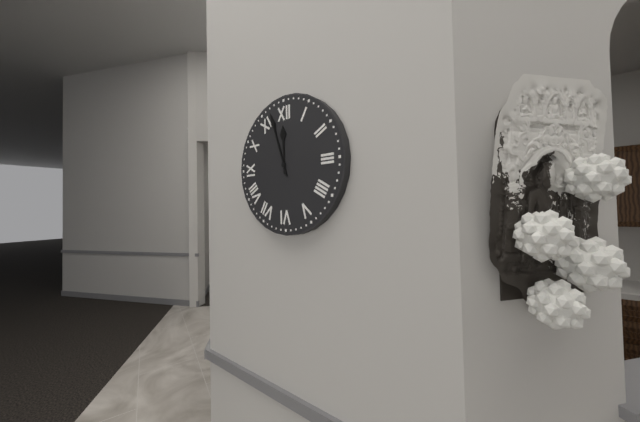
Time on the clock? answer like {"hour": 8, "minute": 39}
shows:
{"hour": 11, "minute": 57}
